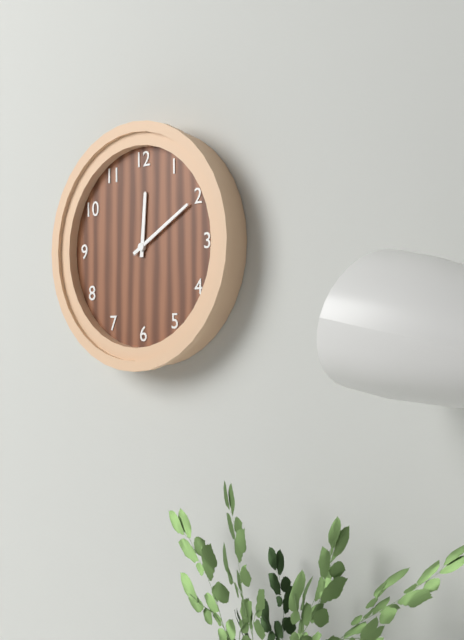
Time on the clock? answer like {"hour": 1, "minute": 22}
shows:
{"hour": 12, "minute": 10}
